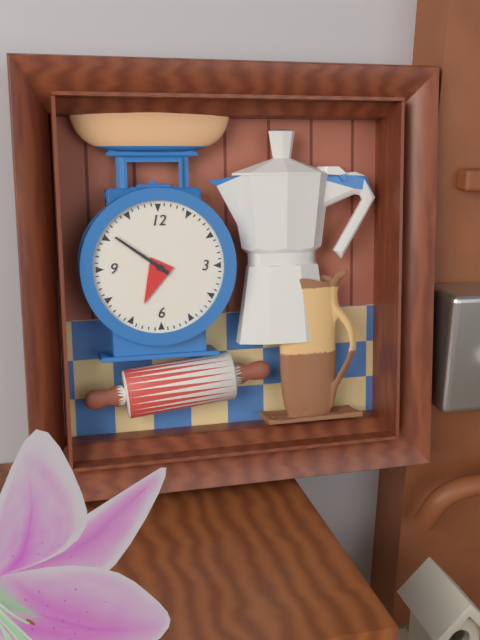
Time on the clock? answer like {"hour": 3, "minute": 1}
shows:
{"hour": 6, "minute": 51}
